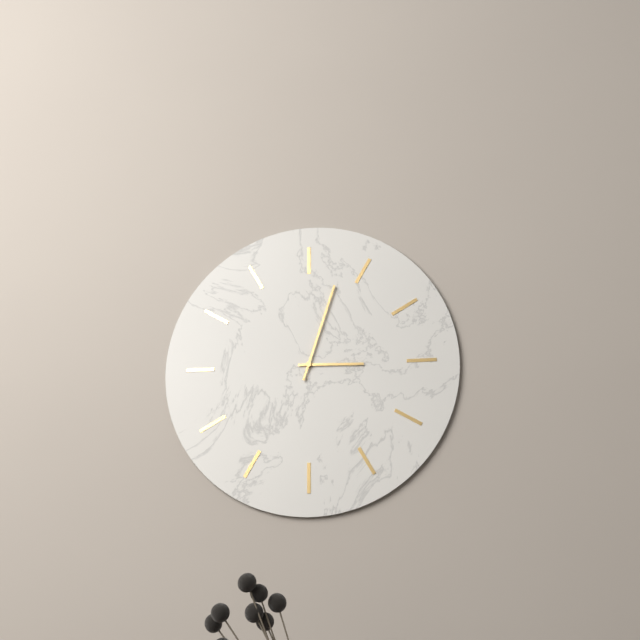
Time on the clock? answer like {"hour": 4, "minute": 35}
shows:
{"hour": 3, "minute": 3}
